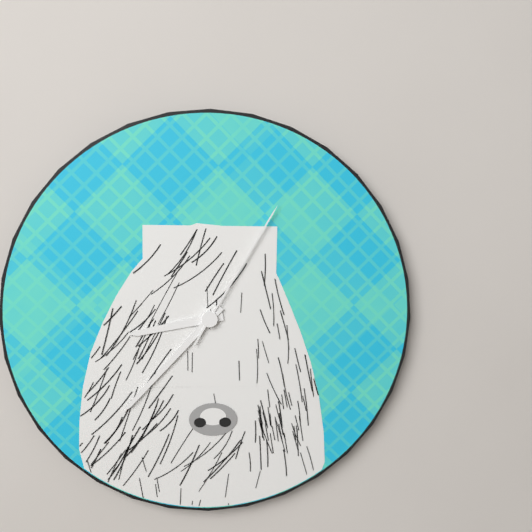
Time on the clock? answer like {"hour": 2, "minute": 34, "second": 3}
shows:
{"hour": 8, "minute": 37, "second": 5}
